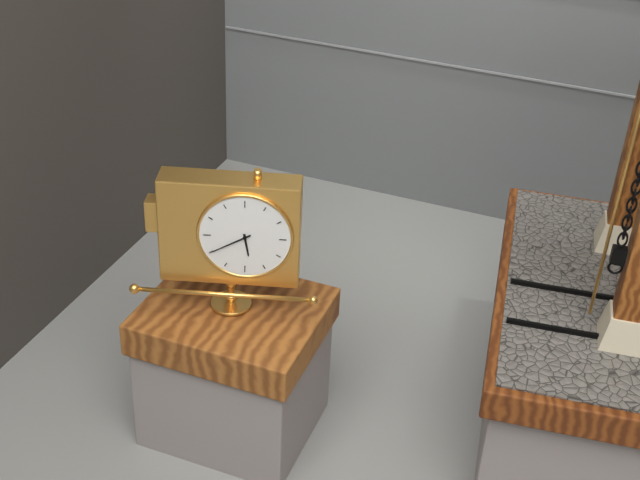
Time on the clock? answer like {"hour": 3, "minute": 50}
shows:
{"hour": 5, "minute": 40}
